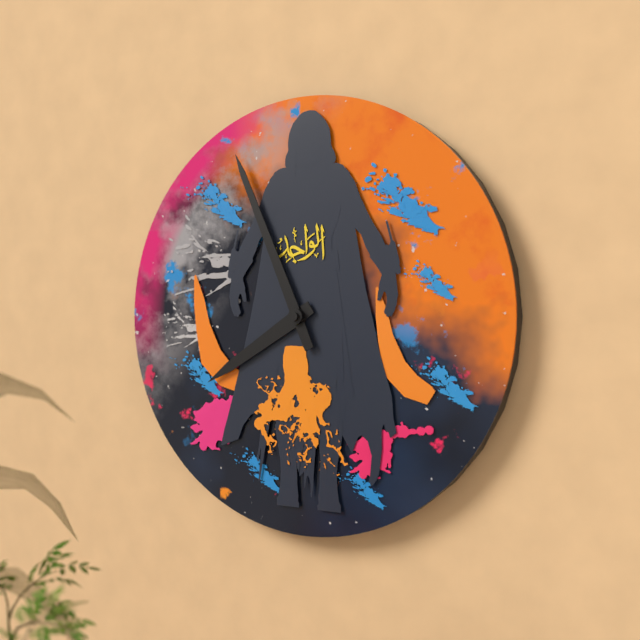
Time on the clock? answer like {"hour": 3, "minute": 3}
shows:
{"hour": 7, "minute": 56}
